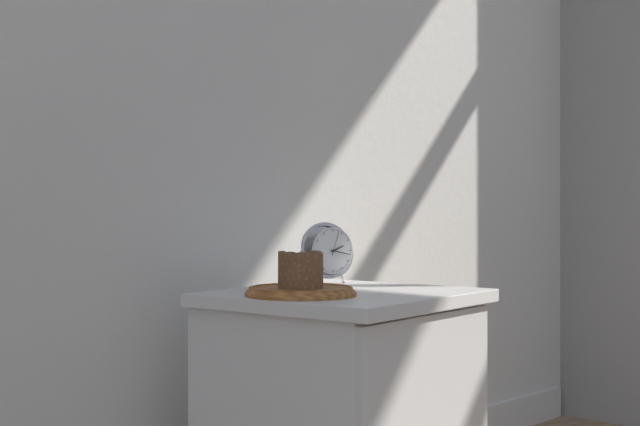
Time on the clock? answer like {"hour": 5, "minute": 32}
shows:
{"hour": 2, "minute": 17}
